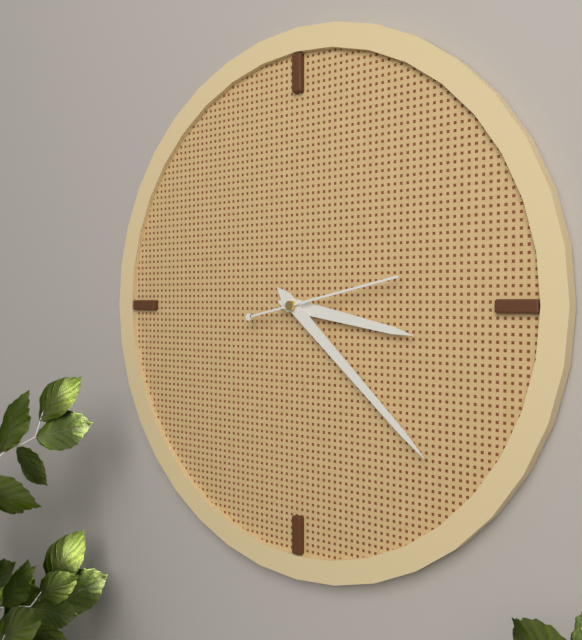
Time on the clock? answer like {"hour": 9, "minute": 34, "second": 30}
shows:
{"hour": 3, "minute": 22, "second": 13}
